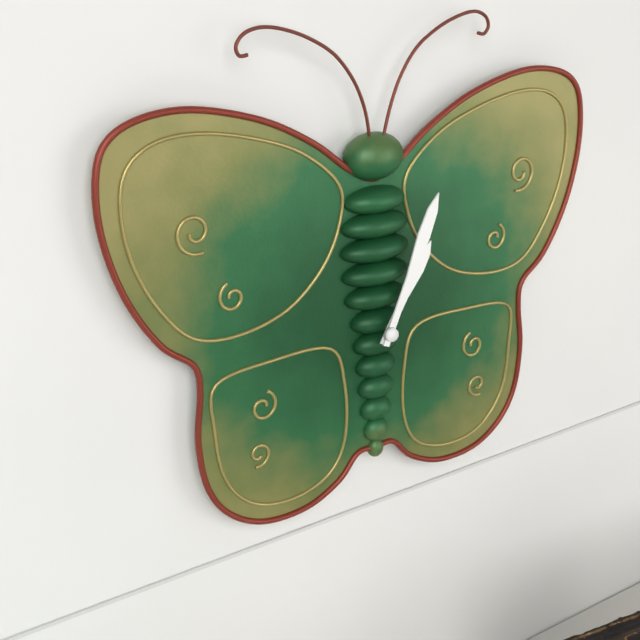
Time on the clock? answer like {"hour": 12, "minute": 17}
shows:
{"hour": 1, "minute": 4}
